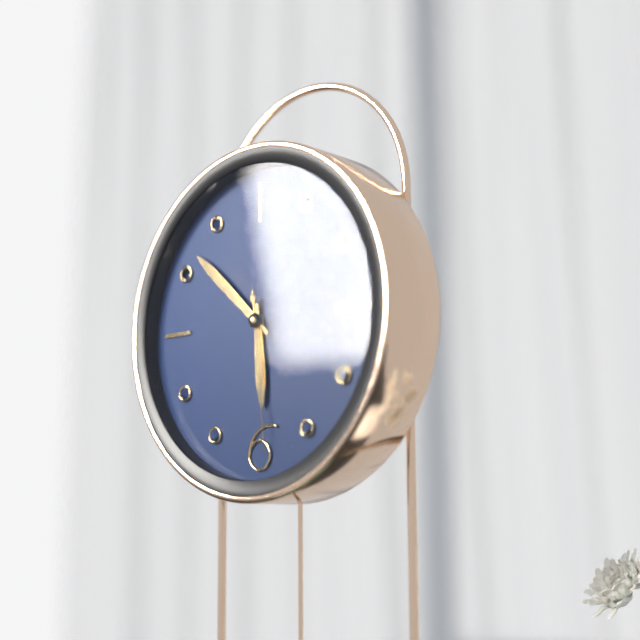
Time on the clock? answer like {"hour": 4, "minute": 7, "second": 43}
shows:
{"hour": 5, "minute": 52, "second": 29}
